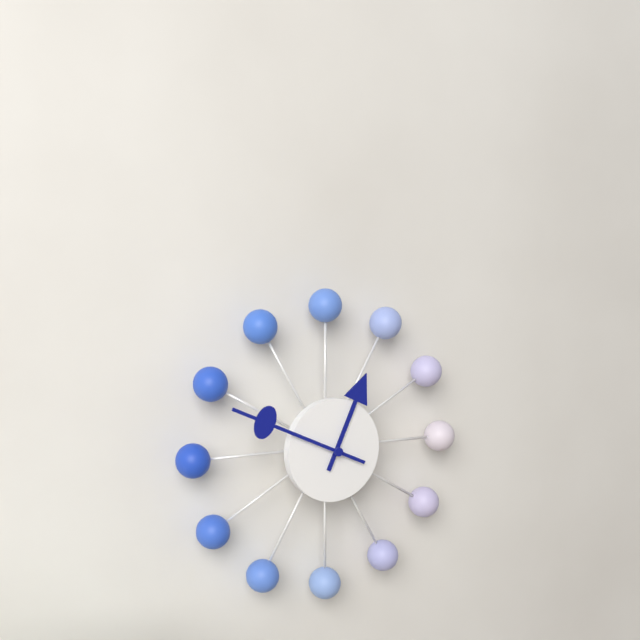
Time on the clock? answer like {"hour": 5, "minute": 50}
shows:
{"hour": 12, "minute": 49}
